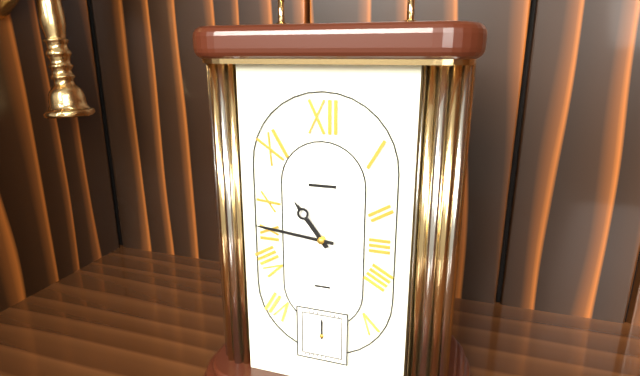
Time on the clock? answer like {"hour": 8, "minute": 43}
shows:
{"hour": 10, "minute": 46}
